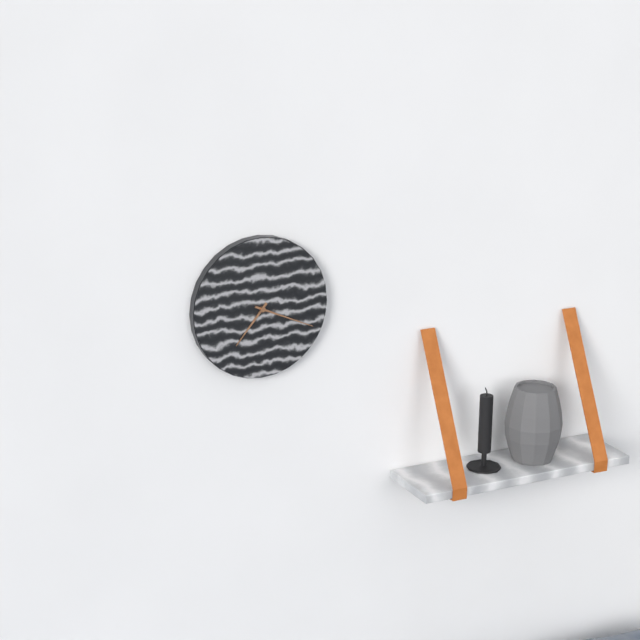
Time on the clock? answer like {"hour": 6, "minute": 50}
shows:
{"hour": 7, "minute": 19}
